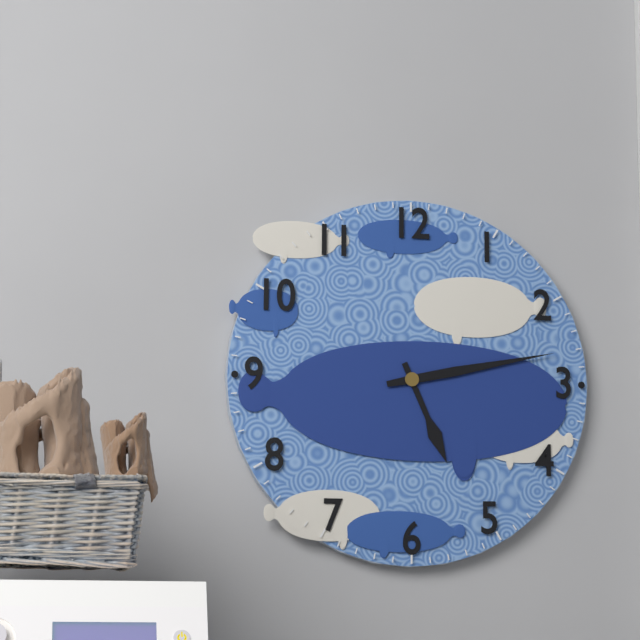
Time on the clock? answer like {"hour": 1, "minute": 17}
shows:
{"hour": 5, "minute": 13}
